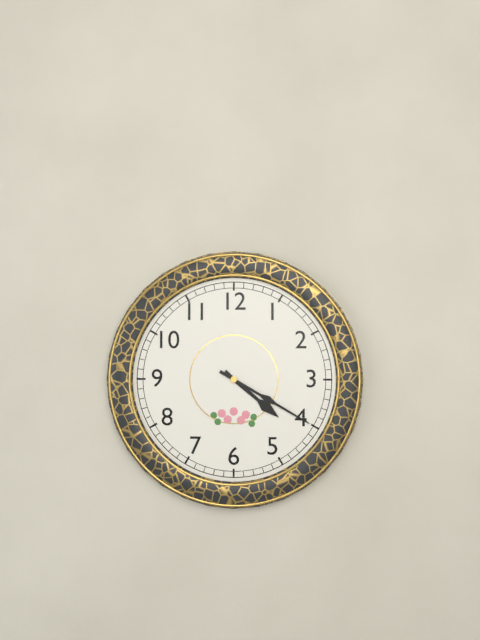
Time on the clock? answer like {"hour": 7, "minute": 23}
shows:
{"hour": 4, "minute": 20}
